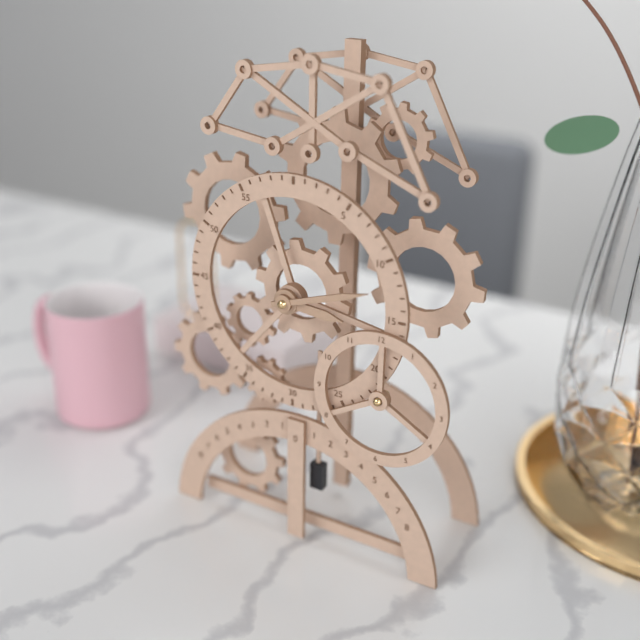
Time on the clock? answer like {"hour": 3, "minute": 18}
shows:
{"hour": 3, "minute": 12}
